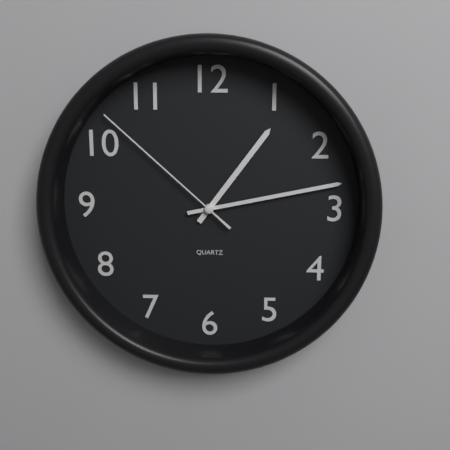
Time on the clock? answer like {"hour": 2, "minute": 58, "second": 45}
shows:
{"hour": 1, "minute": 13, "second": 52}
